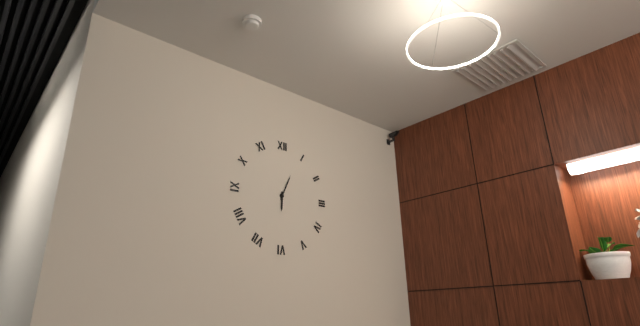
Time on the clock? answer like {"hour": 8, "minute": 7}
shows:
{"hour": 6, "minute": 4}
